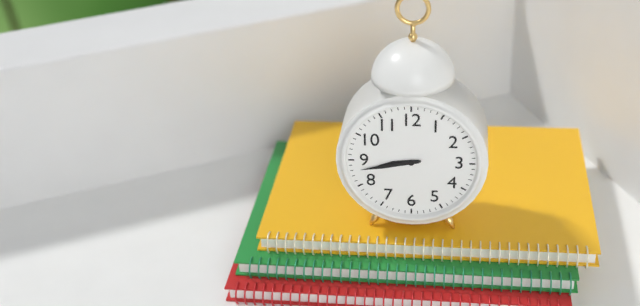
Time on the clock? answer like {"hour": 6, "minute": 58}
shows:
{"hour": 8, "minute": 43}
